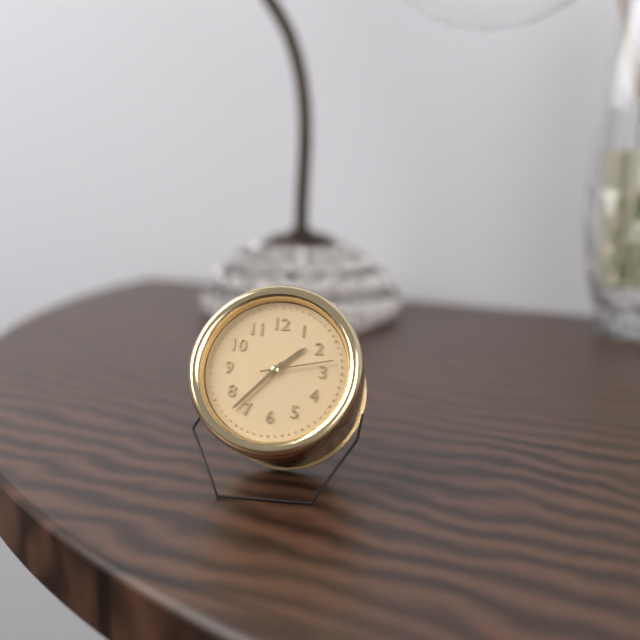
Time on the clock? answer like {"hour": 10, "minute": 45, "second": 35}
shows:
{"hour": 1, "minute": 37, "second": 13}
